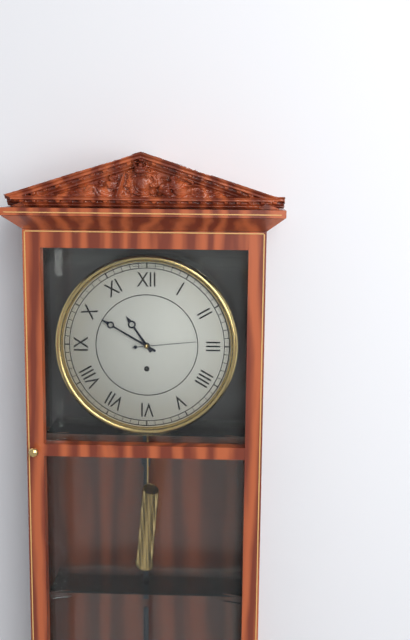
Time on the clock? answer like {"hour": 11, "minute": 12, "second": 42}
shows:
{"hour": 10, "minute": 50, "second": 14}
